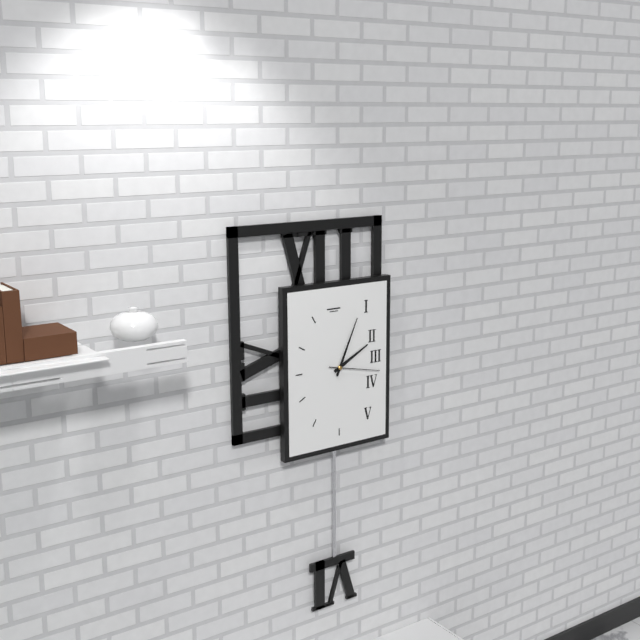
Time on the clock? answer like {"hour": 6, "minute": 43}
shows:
{"hour": 2, "minute": 4}
